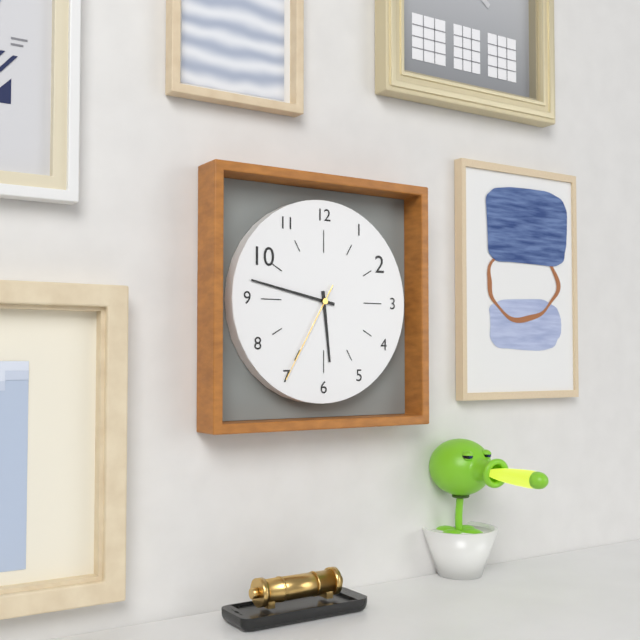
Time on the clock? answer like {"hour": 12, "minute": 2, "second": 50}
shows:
{"hour": 5, "minute": 47, "second": 35}
